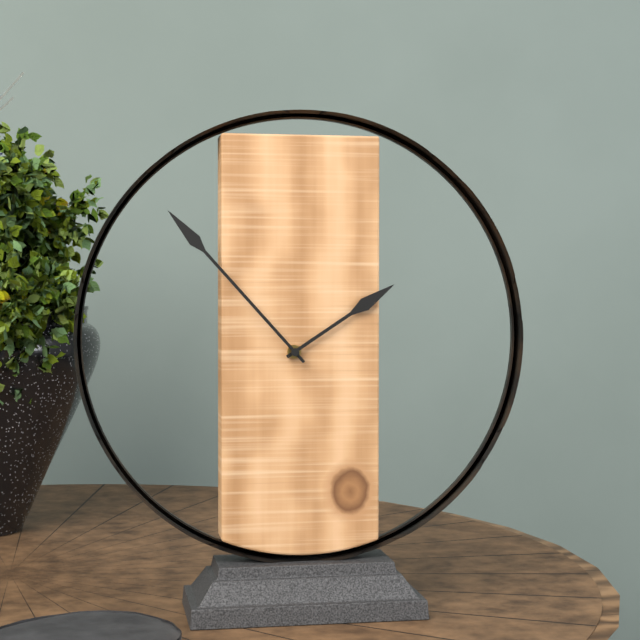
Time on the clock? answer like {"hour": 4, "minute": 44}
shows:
{"hour": 1, "minute": 53}
